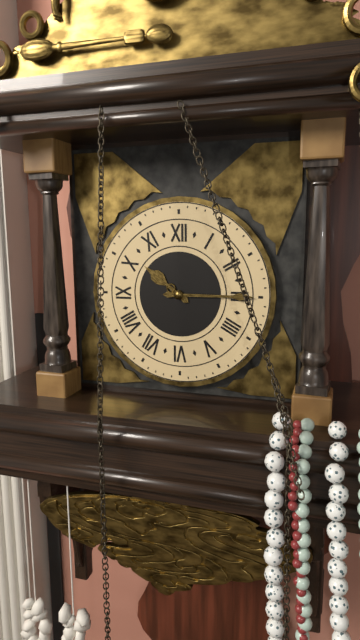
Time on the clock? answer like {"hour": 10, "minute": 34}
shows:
{"hour": 10, "minute": 15}
